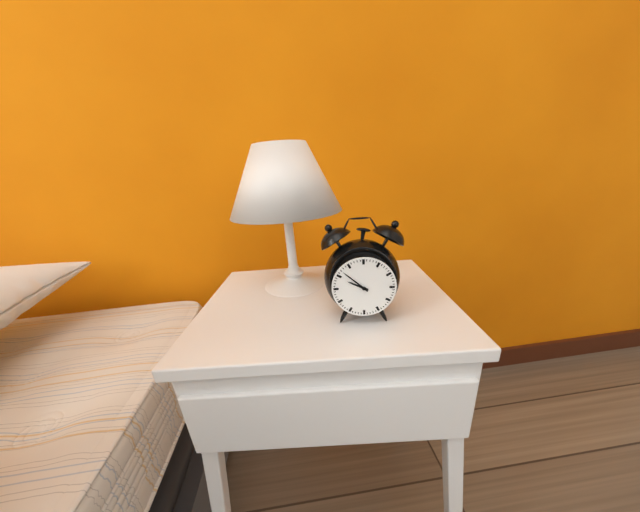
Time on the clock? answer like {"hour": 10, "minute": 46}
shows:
{"hour": 9, "minute": 52}
